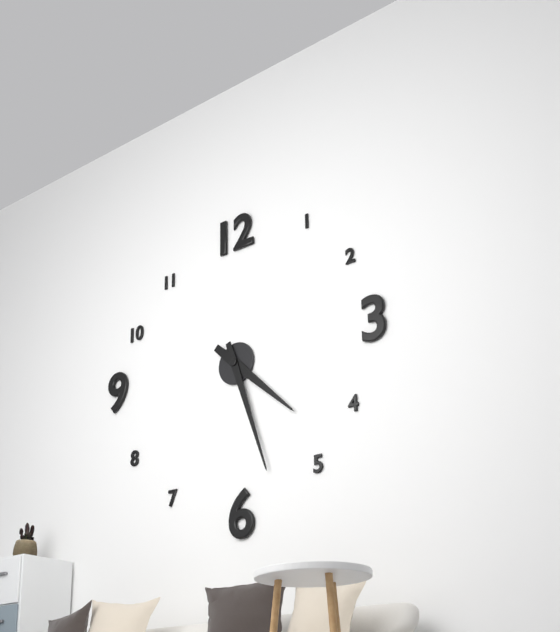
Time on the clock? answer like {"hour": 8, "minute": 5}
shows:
{"hour": 4, "minute": 27}
